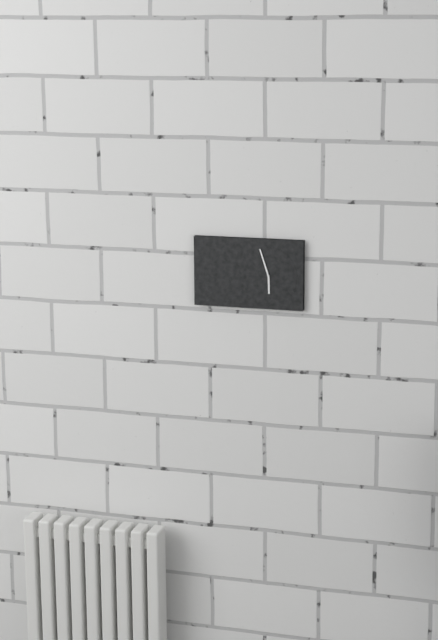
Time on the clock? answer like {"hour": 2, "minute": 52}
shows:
{"hour": 5, "minute": 57}
